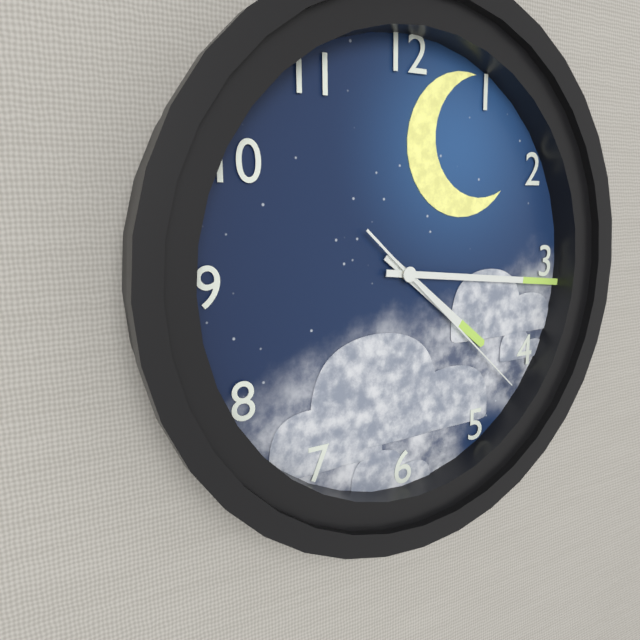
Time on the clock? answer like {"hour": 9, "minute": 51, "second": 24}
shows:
{"hour": 4, "minute": 16, "second": 22}
